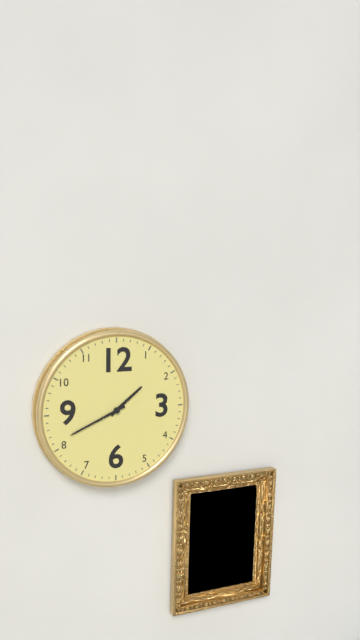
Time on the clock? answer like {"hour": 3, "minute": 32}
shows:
{"hour": 1, "minute": 41}
